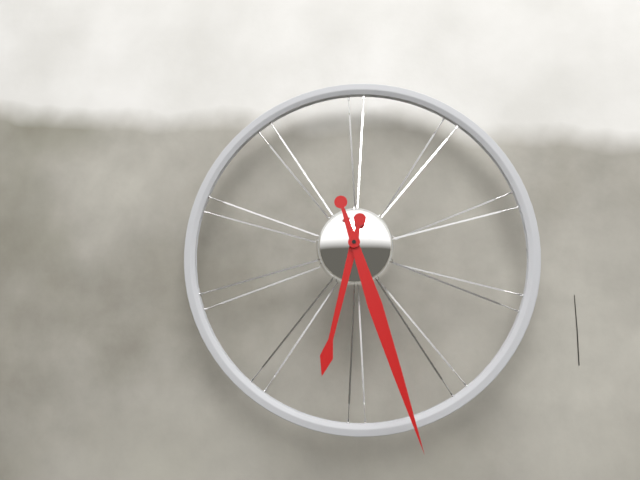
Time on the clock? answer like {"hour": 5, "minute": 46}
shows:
{"hour": 6, "minute": 27}
